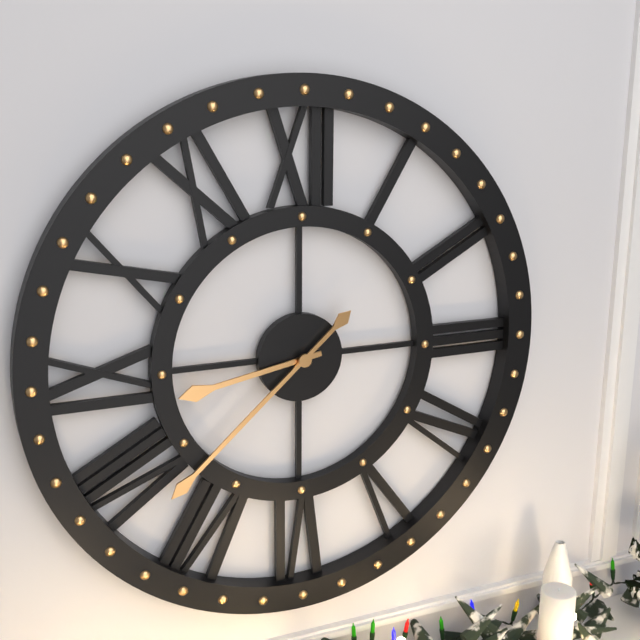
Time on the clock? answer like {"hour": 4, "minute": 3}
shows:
{"hour": 8, "minute": 38}
